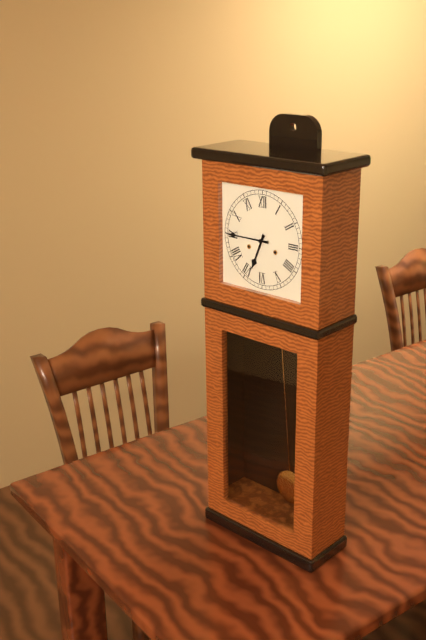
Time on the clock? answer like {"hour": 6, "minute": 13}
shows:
{"hour": 6, "minute": 45}
